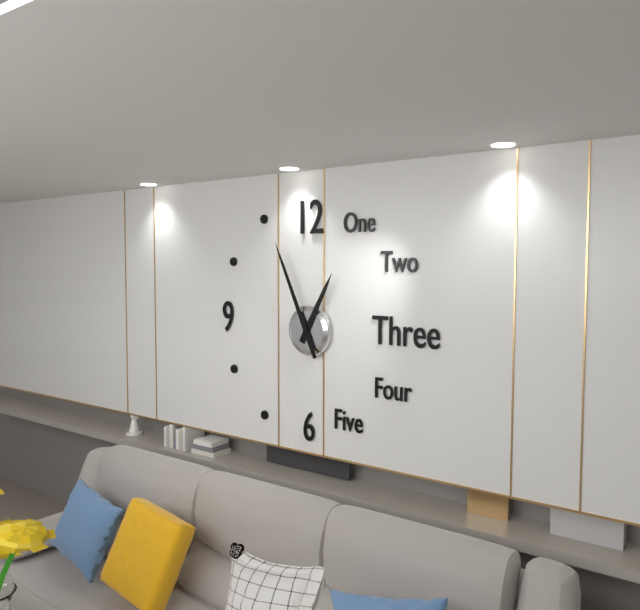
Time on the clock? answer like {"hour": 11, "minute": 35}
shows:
{"hour": 12, "minute": 56}
